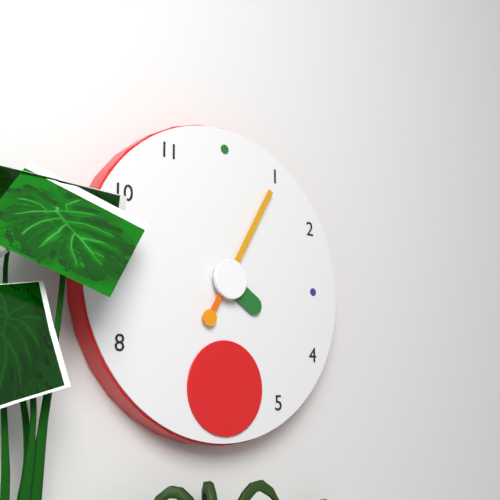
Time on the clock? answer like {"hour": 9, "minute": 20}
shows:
{"hour": 4, "minute": 5}
